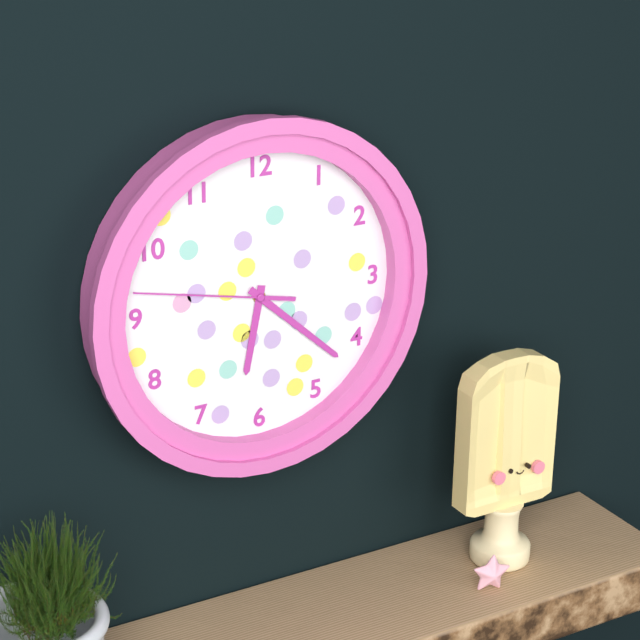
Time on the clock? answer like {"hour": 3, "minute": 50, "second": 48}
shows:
{"hour": 6, "minute": 22, "second": 47}
